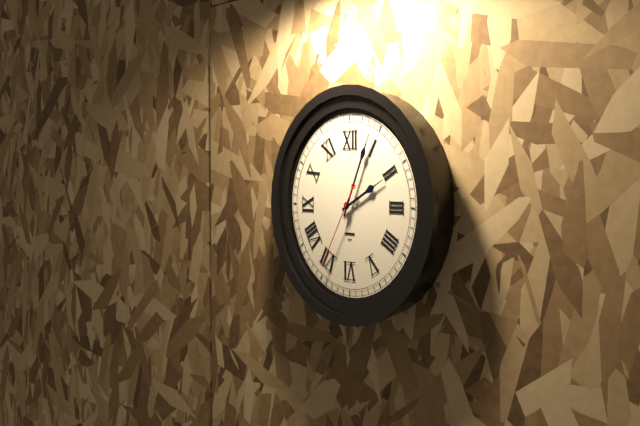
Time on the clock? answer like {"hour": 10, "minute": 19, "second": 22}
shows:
{"hour": 2, "minute": 4, "second": 35}
